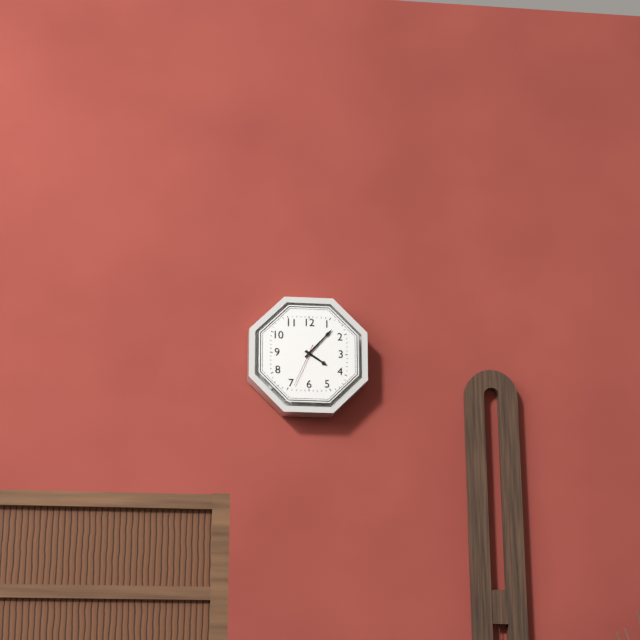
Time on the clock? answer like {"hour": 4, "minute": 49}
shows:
{"hour": 4, "minute": 7}
